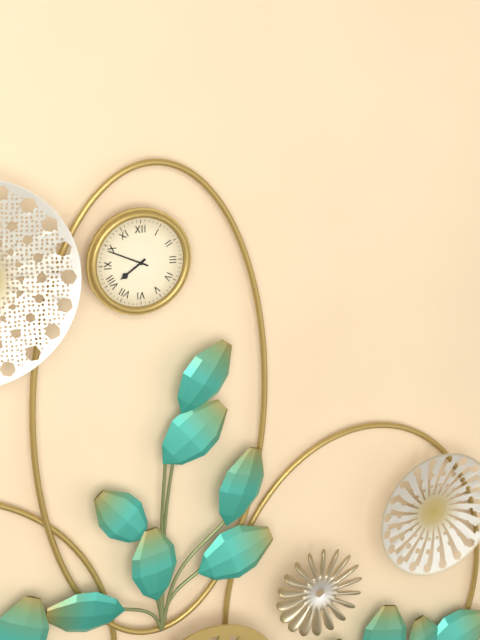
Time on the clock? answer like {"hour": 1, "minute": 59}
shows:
{"hour": 7, "minute": 49}
